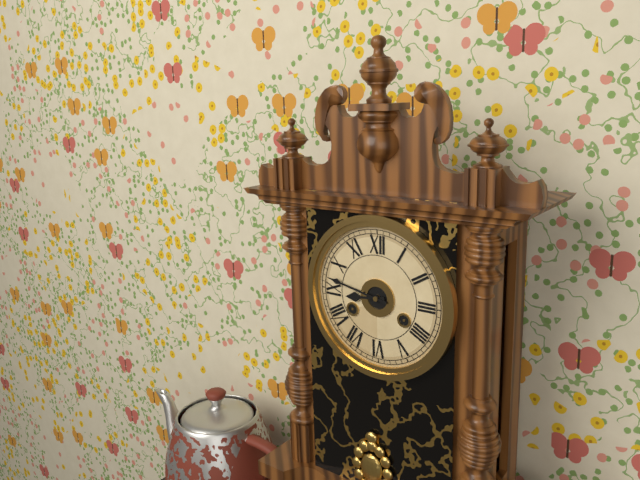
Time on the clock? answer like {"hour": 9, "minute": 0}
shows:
{"hour": 8, "minute": 47}
